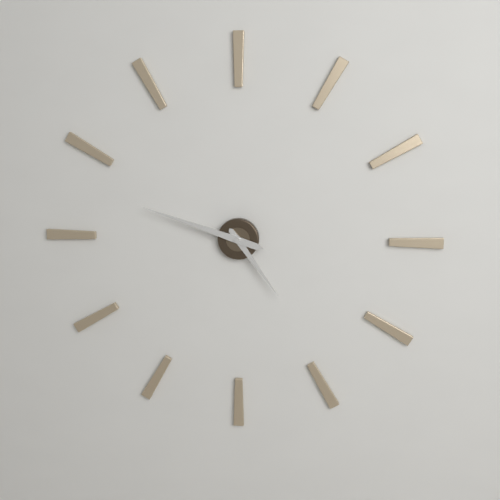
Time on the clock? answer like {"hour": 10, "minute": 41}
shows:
{"hour": 4, "minute": 48}
